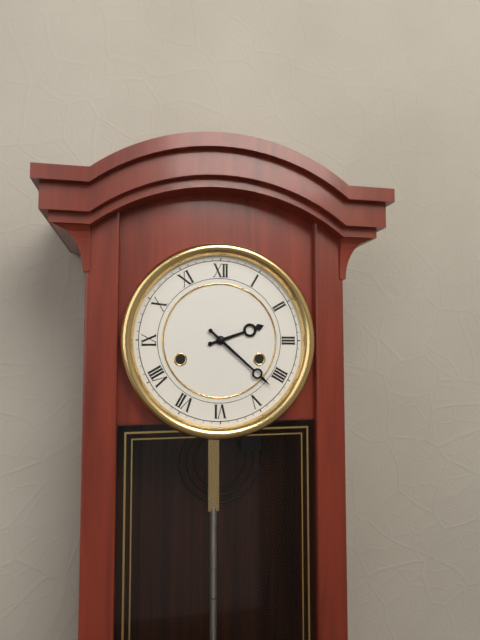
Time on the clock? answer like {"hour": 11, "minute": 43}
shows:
{"hour": 2, "minute": 22}
